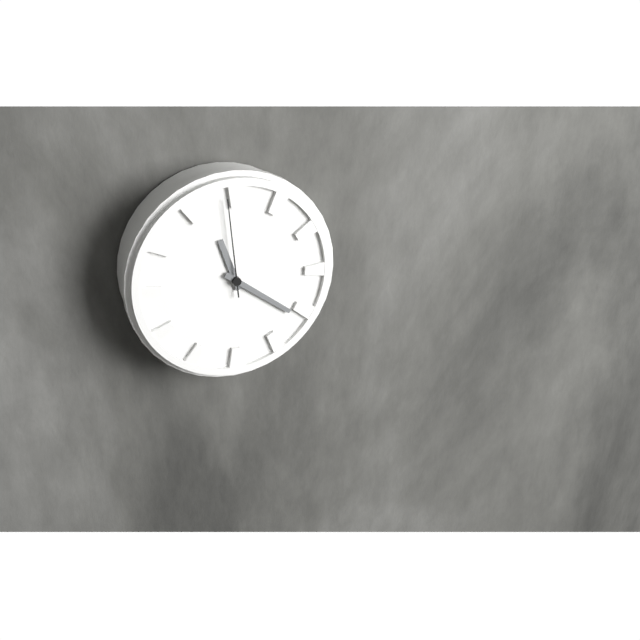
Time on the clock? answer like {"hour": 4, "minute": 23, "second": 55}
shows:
{"hour": 11, "minute": 21, "second": 59}
